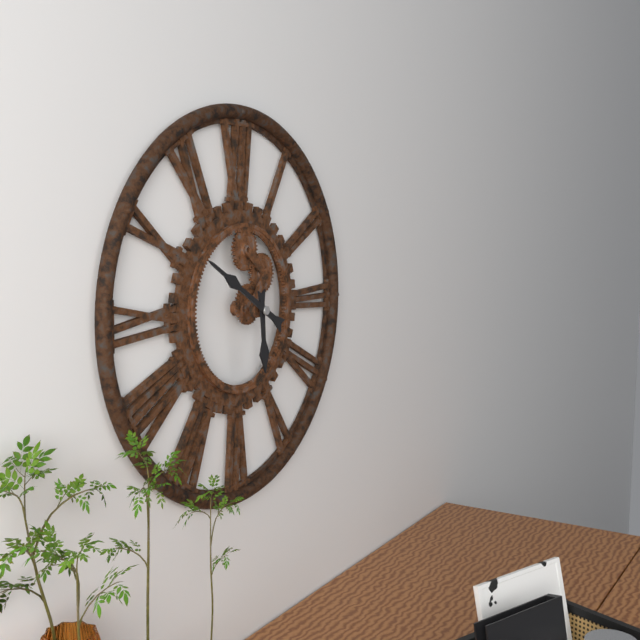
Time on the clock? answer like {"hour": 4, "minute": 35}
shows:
{"hour": 5, "minute": 50}
